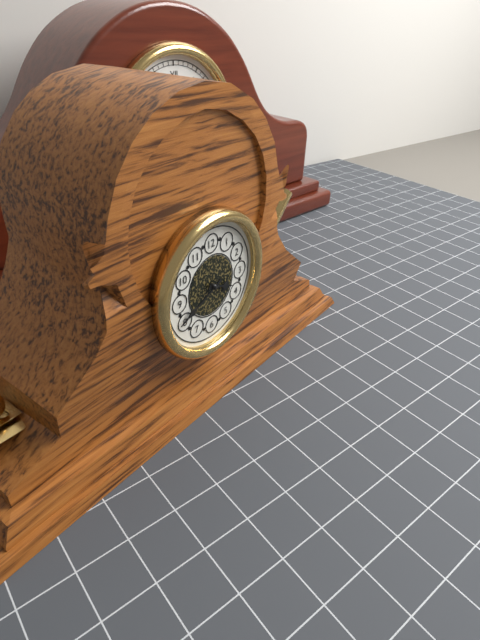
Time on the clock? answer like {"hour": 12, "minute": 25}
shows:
{"hour": 3, "minute": 41}
